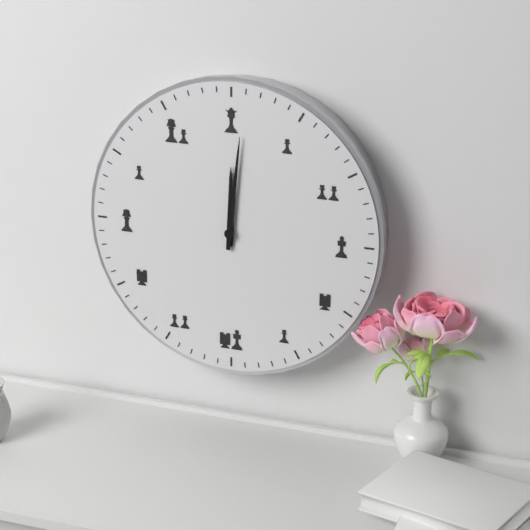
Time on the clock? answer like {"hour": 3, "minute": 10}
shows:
{"hour": 12, "minute": 1}
